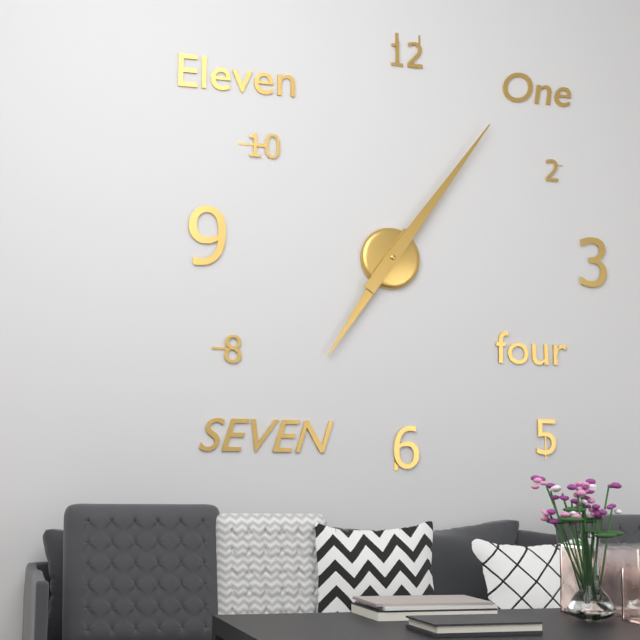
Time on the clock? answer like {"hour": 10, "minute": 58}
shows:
{"hour": 7, "minute": 6}
